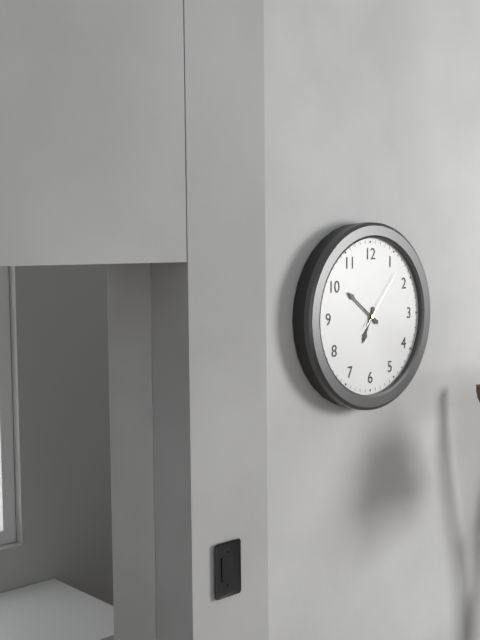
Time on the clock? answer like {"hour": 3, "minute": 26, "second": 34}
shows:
{"hour": 6, "minute": 51, "second": 7}
